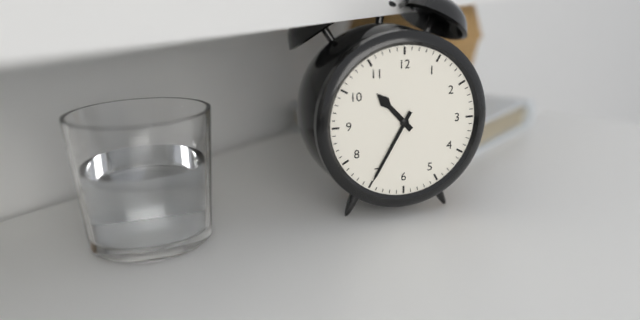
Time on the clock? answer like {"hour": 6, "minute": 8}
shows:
{"hour": 10, "minute": 35}
